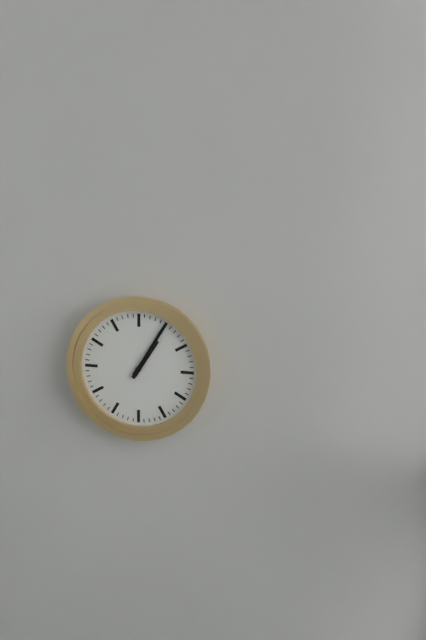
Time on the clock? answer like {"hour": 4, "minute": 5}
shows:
{"hour": 1, "minute": 5}
